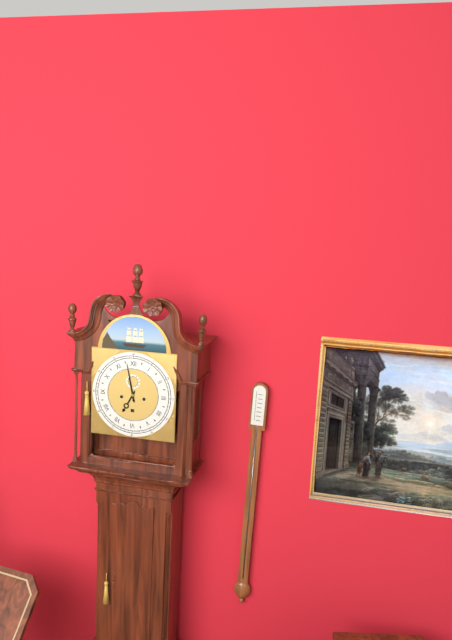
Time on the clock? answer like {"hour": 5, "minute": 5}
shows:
{"hour": 6, "minute": 58}
